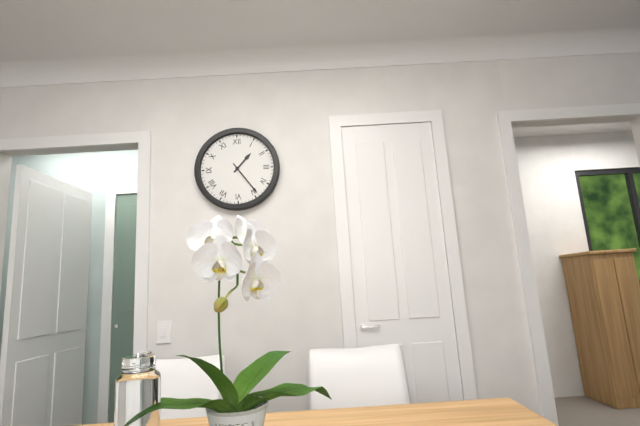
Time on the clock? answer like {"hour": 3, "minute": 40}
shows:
{"hour": 1, "minute": 24}
